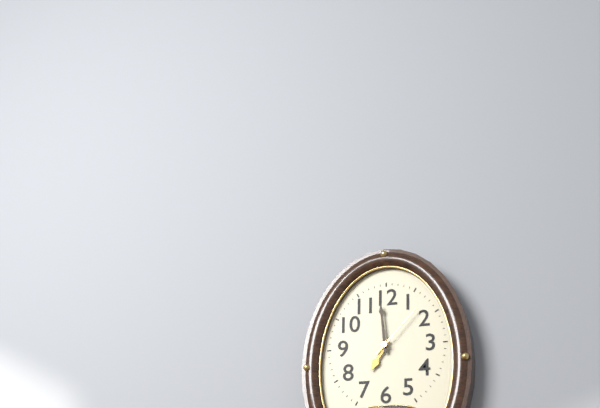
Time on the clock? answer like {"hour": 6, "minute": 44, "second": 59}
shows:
{"hour": 6, "minute": 59, "second": 7}
